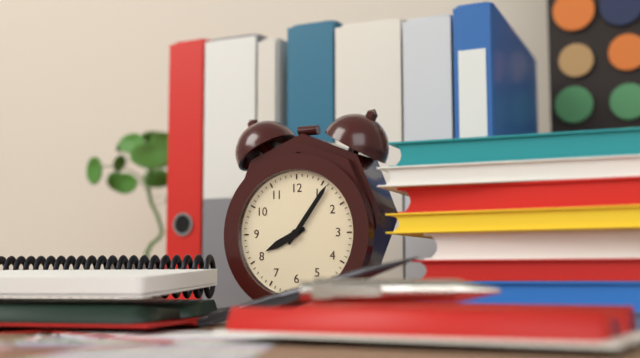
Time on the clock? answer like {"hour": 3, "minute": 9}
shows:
{"hour": 8, "minute": 6}
